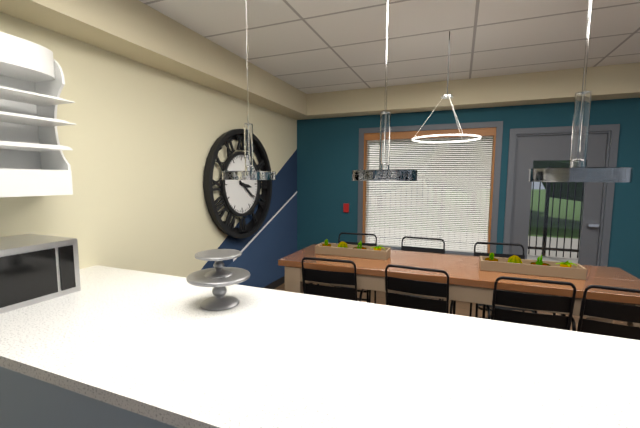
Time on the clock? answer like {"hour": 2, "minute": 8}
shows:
{"hour": 3, "minute": 21}
